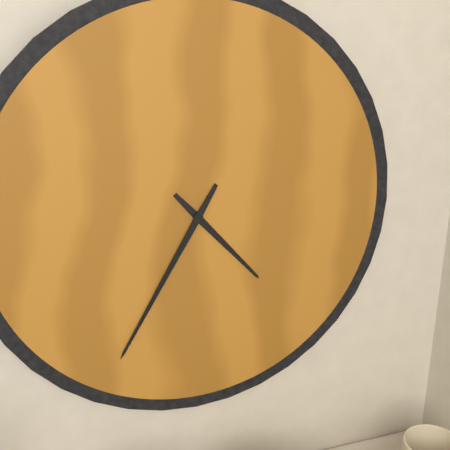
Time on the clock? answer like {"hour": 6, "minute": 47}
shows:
{"hour": 4, "minute": 35}
